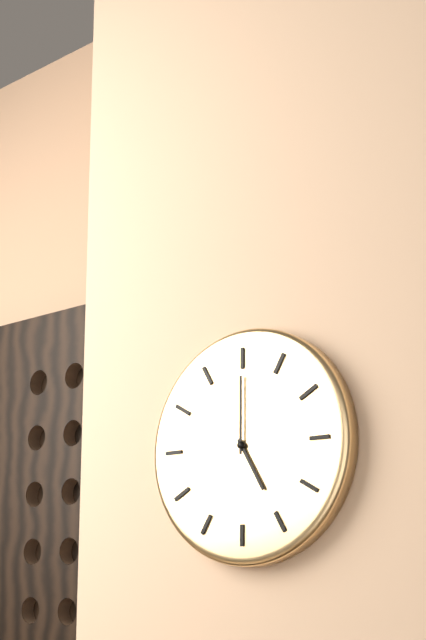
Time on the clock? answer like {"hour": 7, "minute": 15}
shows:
{"hour": 5, "minute": 0}
